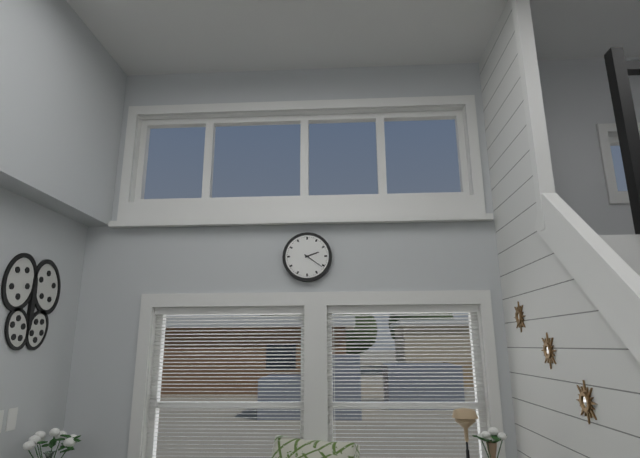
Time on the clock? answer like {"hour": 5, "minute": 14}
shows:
{"hour": 2, "minute": 21}
